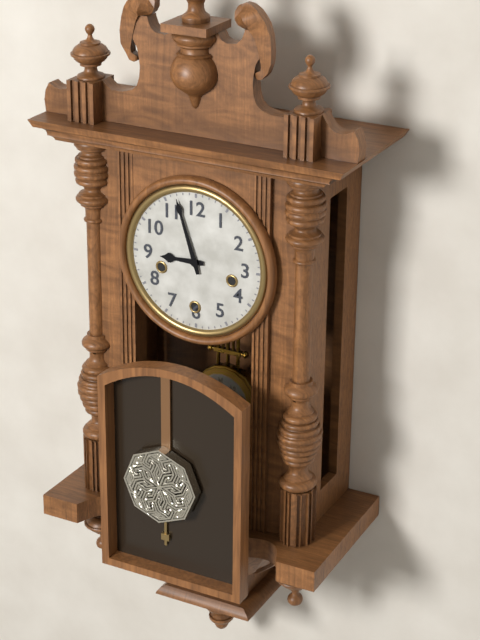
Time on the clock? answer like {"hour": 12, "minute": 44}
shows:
{"hour": 8, "minute": 57}
